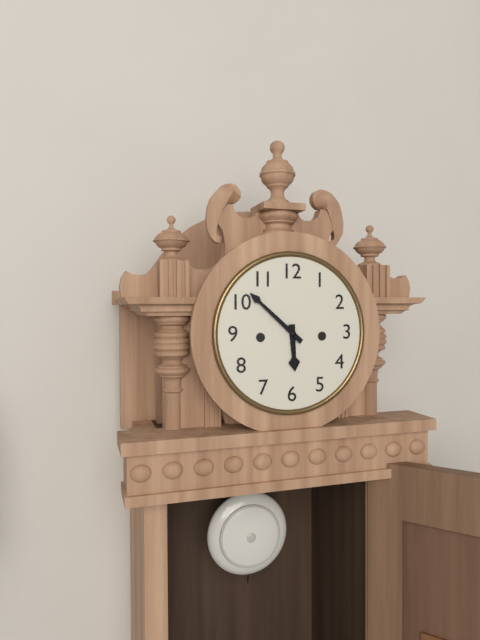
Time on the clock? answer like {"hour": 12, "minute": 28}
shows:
{"hour": 5, "minute": 52}
